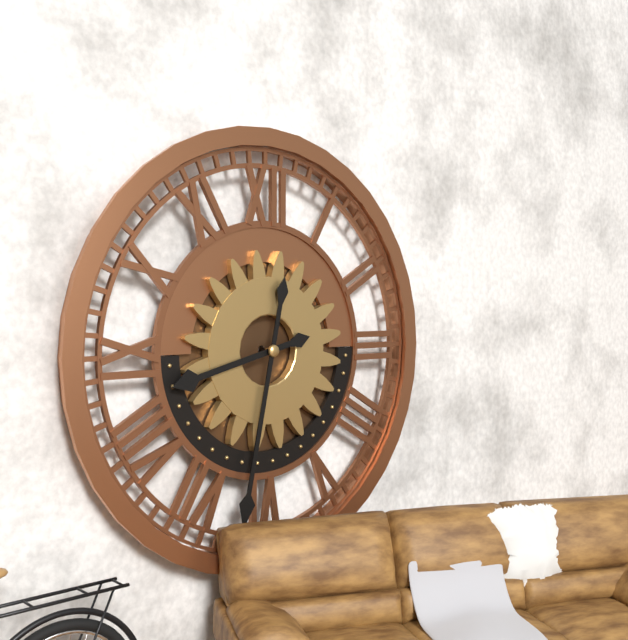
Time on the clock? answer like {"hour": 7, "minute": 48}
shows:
{"hour": 8, "minute": 32}
